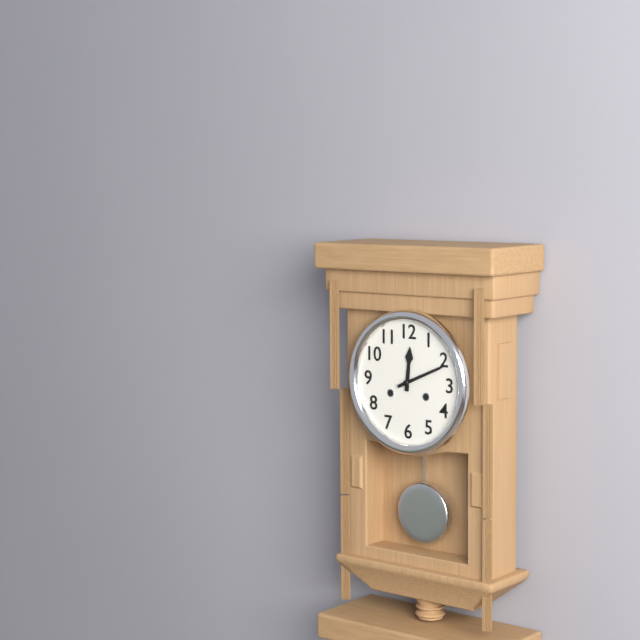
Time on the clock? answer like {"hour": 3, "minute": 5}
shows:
{"hour": 12, "minute": 11}
